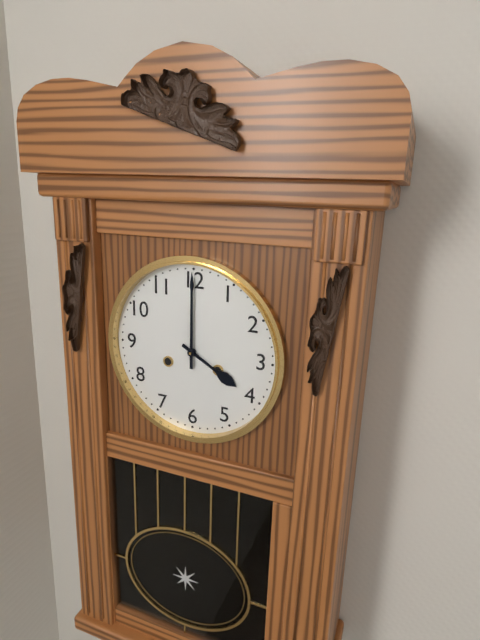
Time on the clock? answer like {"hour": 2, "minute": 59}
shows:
{"hour": 4, "minute": 0}
